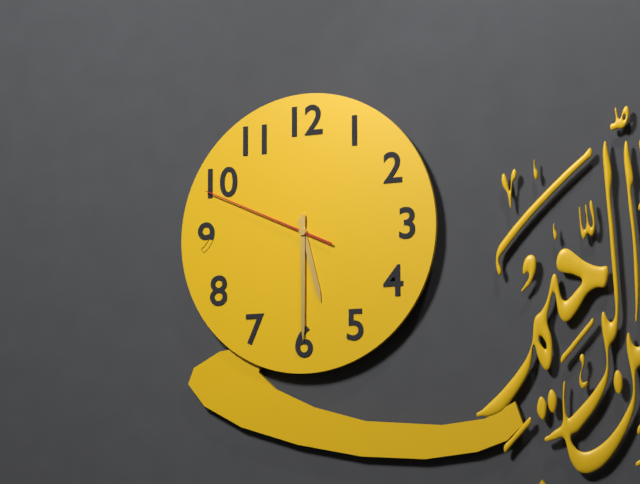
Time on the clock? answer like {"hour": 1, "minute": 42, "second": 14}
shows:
{"hour": 5, "minute": 30, "second": 49}
